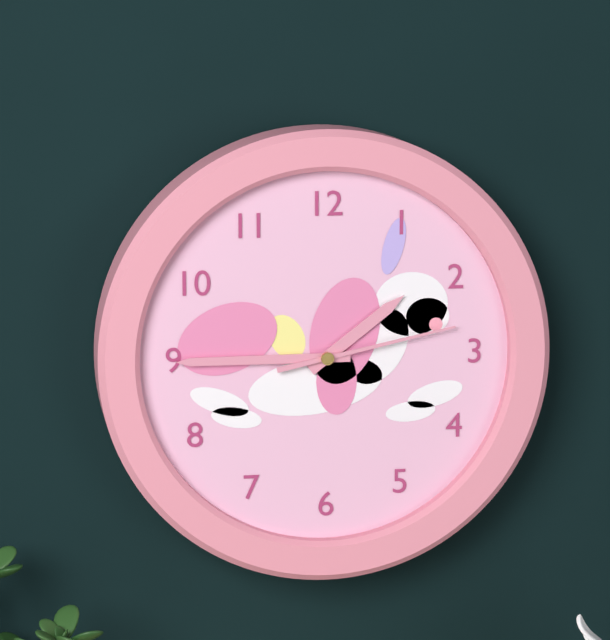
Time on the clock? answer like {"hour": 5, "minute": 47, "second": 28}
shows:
{"hour": 1, "minute": 45, "second": 13}
